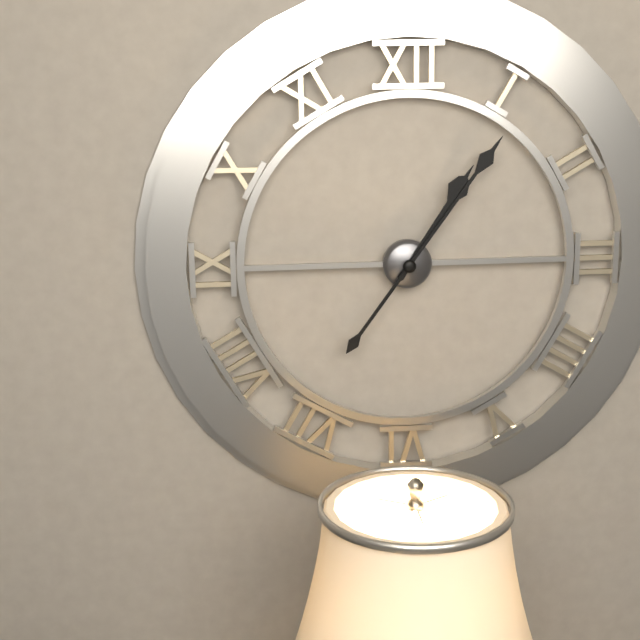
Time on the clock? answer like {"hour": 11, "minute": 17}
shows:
{"hour": 1, "minute": 6}
